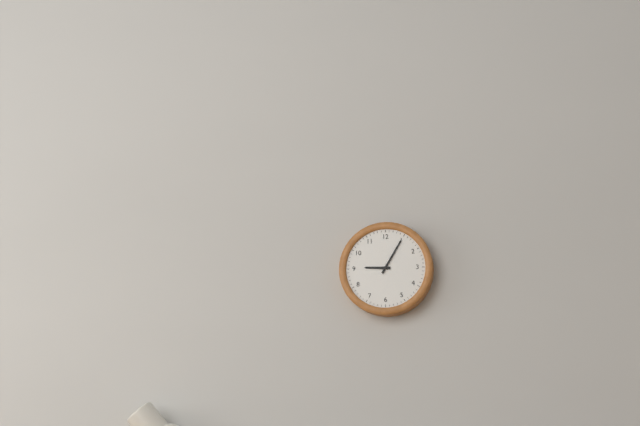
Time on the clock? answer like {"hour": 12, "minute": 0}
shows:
{"hour": 9, "minute": 5}
